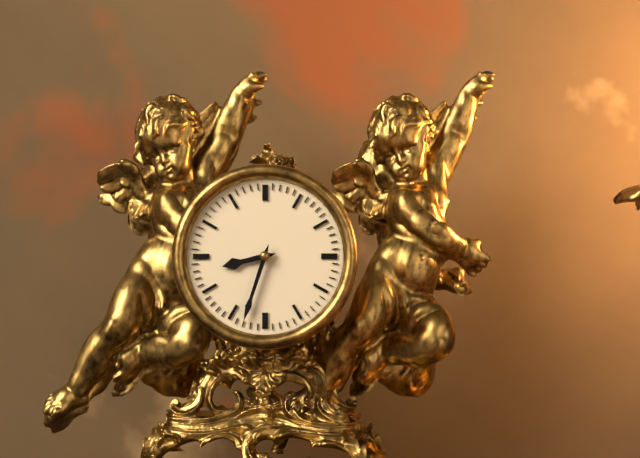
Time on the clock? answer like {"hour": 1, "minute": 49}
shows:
{"hour": 8, "minute": 33}
